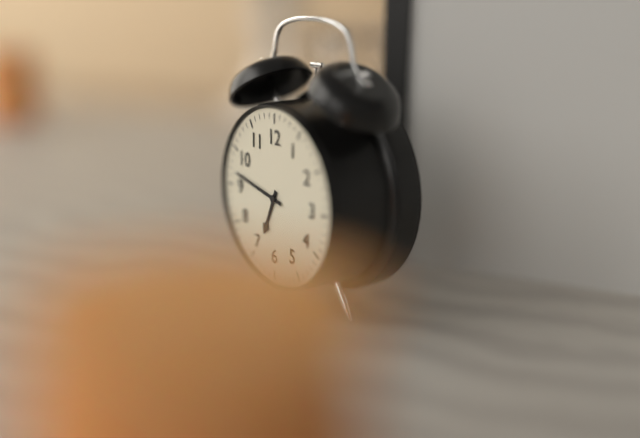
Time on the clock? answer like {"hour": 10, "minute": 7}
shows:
{"hour": 6, "minute": 47}
